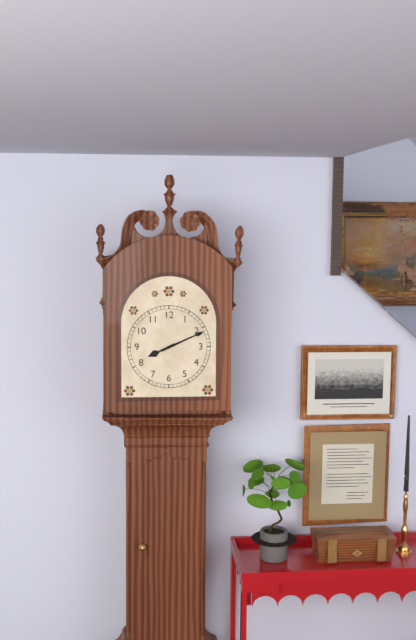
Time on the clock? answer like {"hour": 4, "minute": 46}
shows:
{"hour": 8, "minute": 11}
